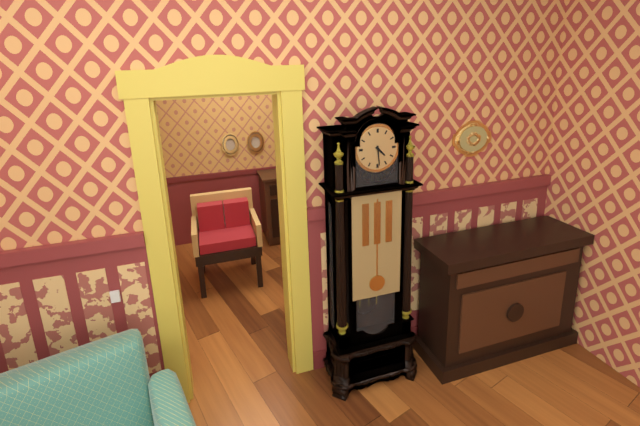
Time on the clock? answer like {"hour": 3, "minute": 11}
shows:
{"hour": 4, "minute": 29}
